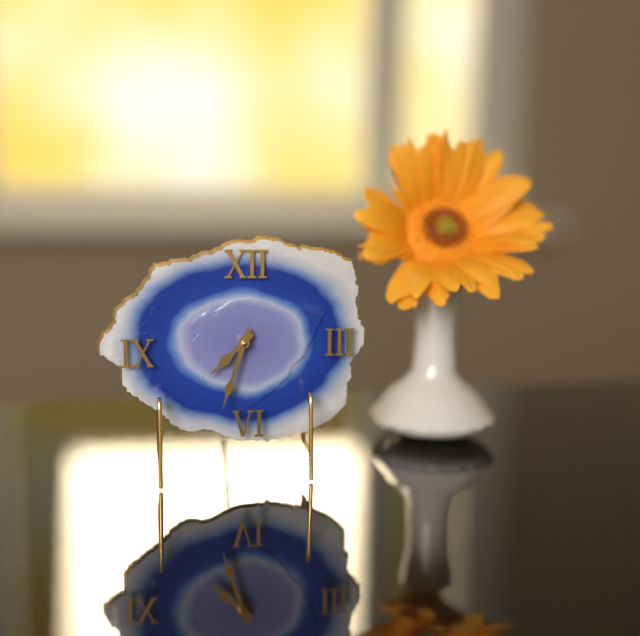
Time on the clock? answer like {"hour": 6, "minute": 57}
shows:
{"hour": 7, "minute": 33}
